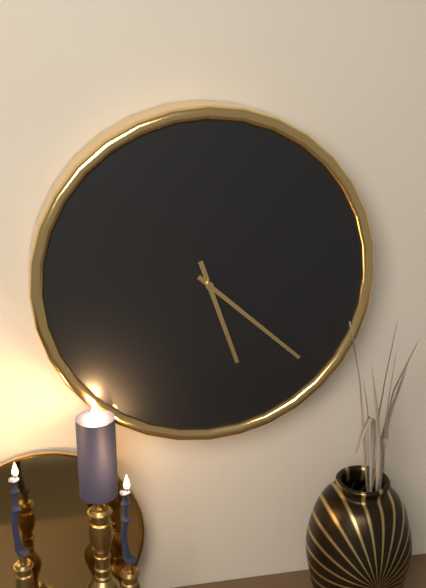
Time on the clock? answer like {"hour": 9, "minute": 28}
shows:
{"hour": 5, "minute": 22}
